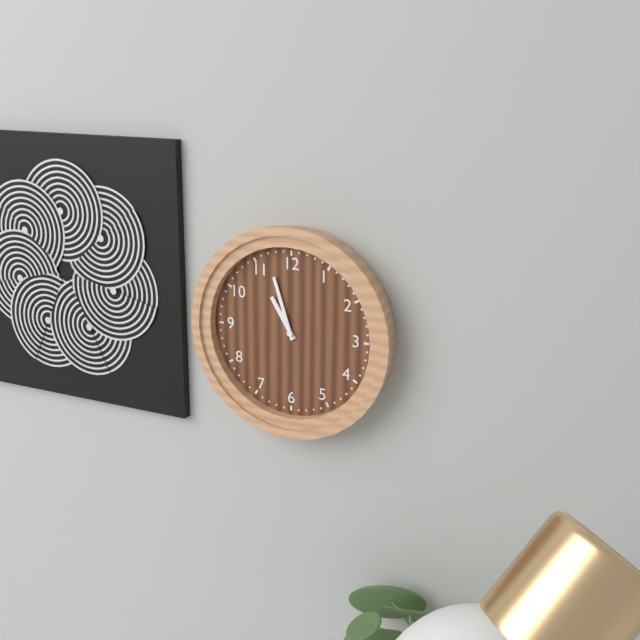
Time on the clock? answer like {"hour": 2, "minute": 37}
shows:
{"hour": 10, "minute": 57}
